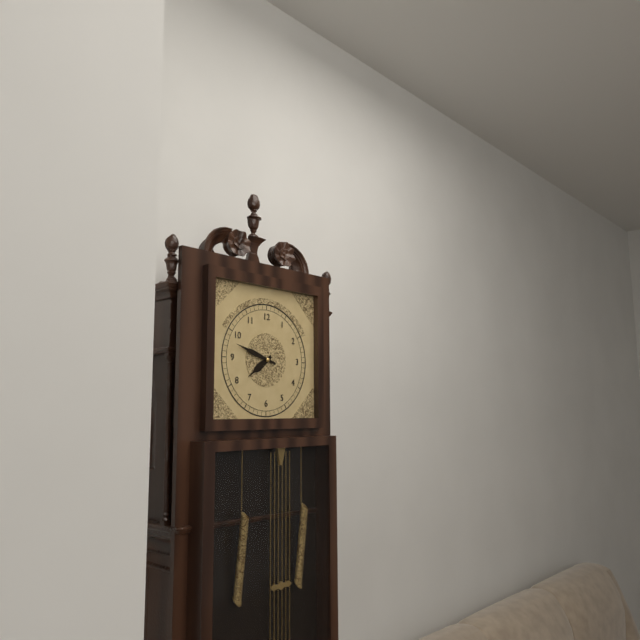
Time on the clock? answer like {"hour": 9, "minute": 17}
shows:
{"hour": 7, "minute": 48}
